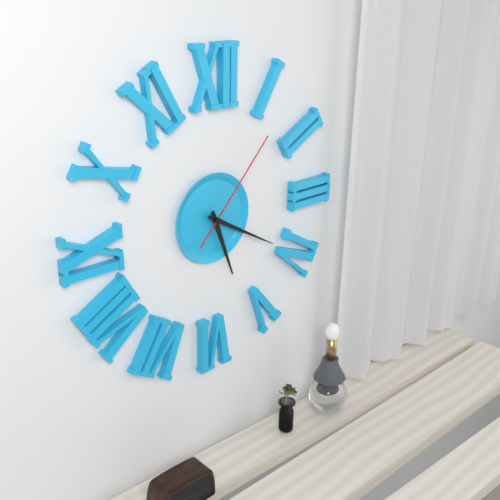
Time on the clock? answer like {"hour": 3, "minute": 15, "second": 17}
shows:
{"hour": 5, "minute": 20, "second": 7}
